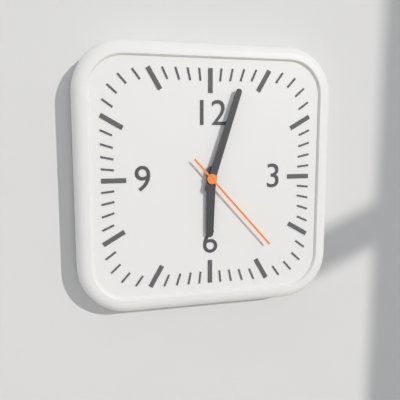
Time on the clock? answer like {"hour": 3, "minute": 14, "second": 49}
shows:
{"hour": 6, "minute": 3, "second": 23}
